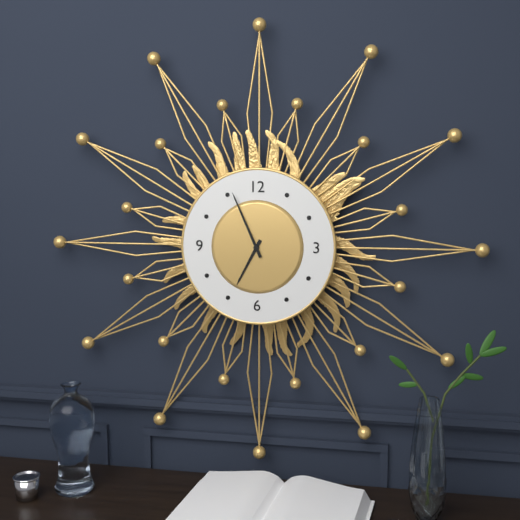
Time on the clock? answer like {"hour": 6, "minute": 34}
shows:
{"hour": 6, "minute": 56}
